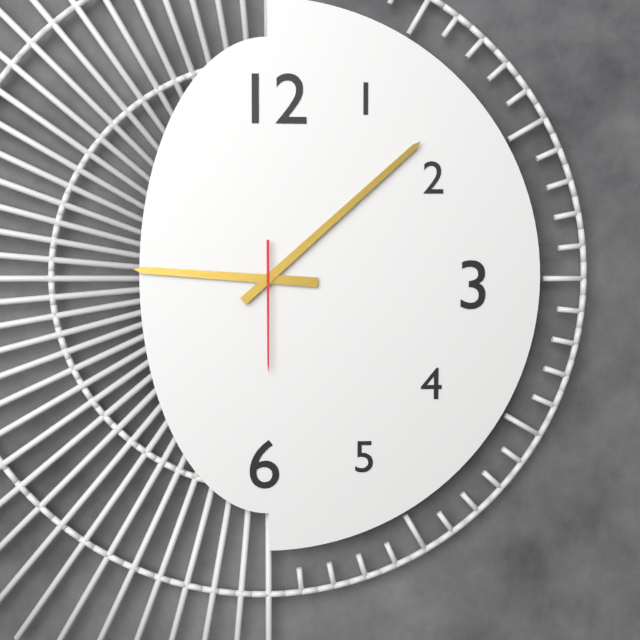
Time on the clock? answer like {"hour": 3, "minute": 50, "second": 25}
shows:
{"hour": 9, "minute": 8, "second": 30}
